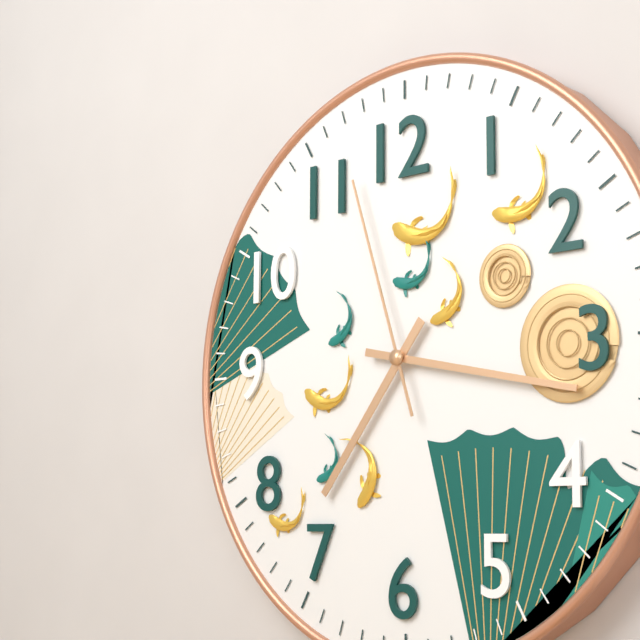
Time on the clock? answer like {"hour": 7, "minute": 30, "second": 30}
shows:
{"hour": 7, "minute": 17, "second": 57}
